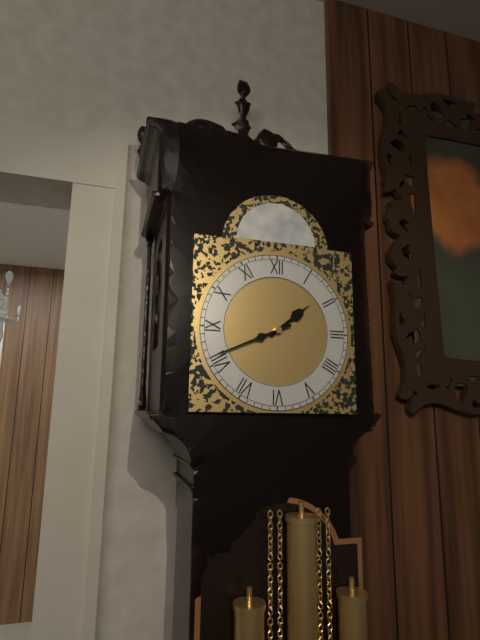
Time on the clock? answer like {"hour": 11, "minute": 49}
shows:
{"hour": 1, "minute": 41}
